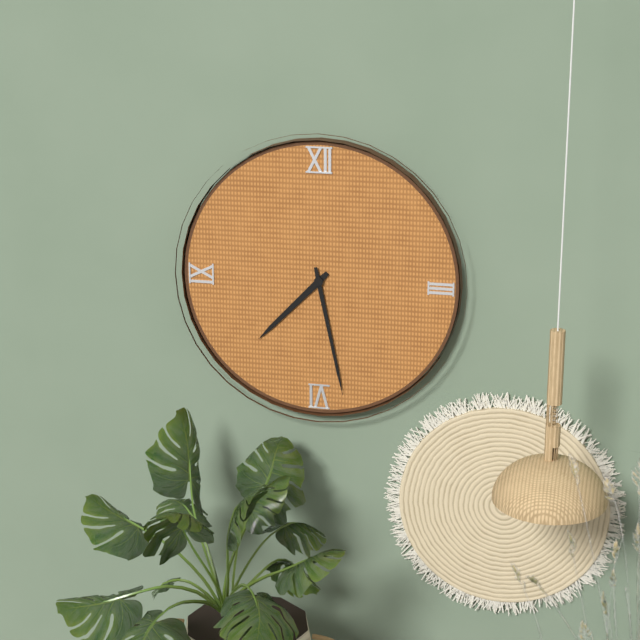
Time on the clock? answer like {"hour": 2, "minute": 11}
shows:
{"hour": 7, "minute": 28}
